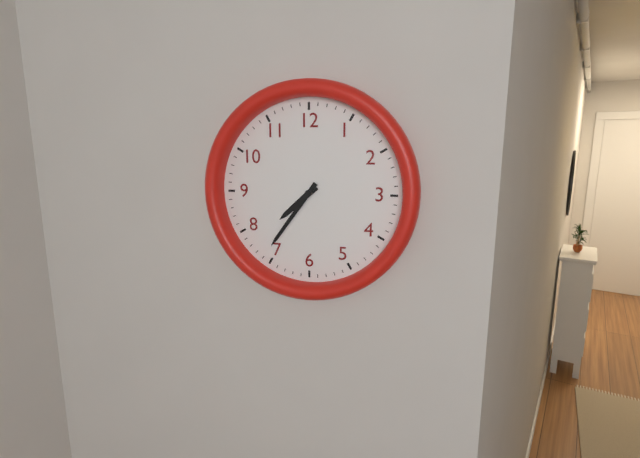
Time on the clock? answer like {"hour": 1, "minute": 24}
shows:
{"hour": 7, "minute": 36}
